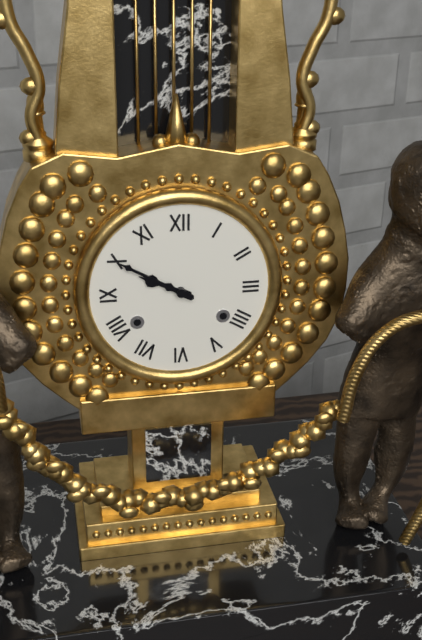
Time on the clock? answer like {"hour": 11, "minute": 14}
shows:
{"hour": 9, "minute": 50}
